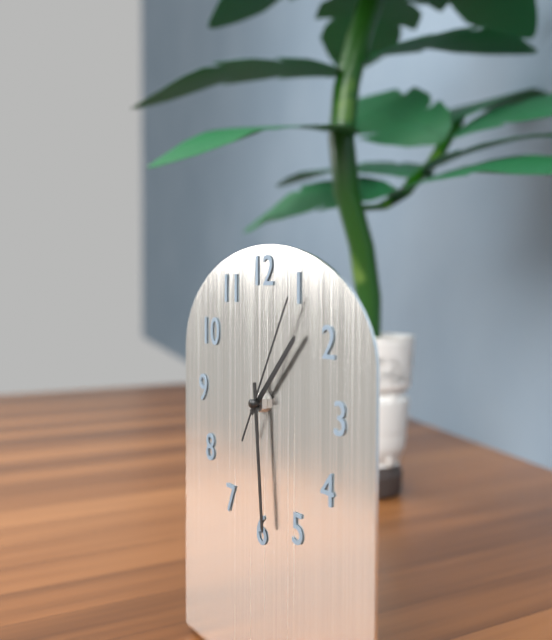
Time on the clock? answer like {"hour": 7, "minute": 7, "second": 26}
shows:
{"hour": 1, "minute": 29, "second": 5}
